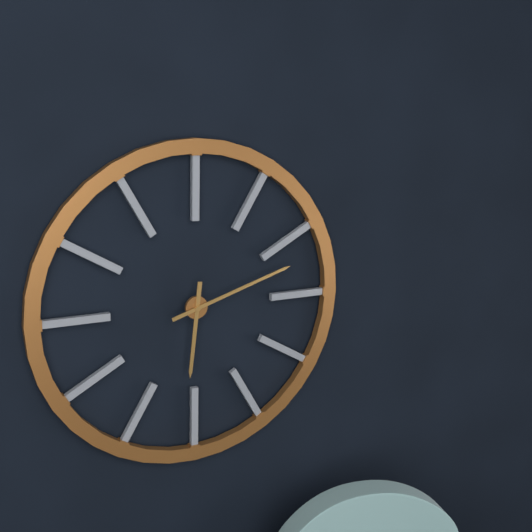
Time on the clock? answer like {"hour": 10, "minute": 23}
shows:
{"hour": 6, "minute": 12}
